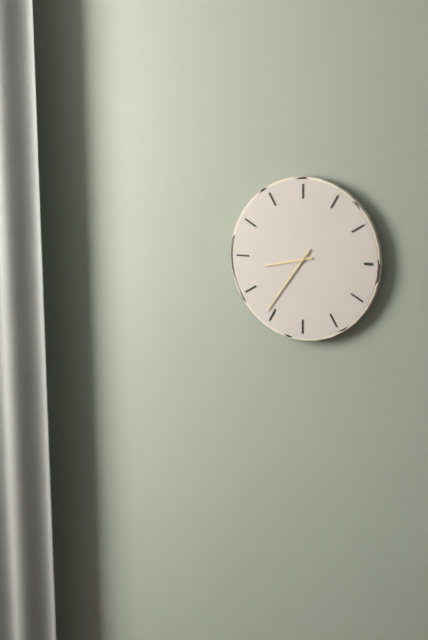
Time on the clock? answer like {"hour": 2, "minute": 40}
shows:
{"hour": 8, "minute": 36}
